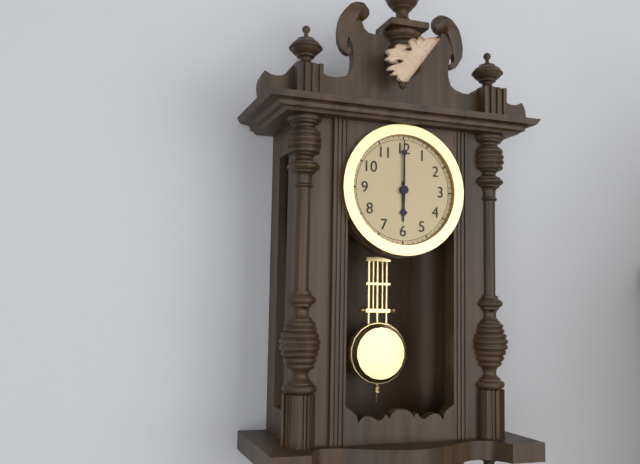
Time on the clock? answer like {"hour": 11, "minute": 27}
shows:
{"hour": 6, "minute": 0}
